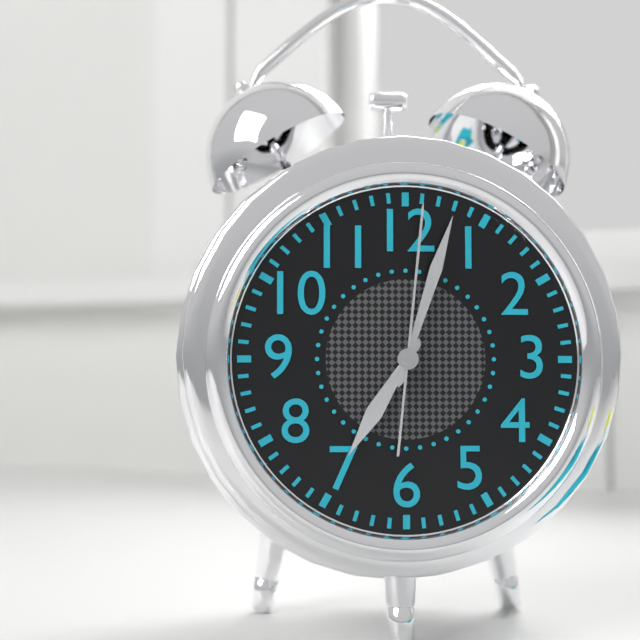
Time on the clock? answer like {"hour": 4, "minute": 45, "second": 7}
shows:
{"hour": 7, "minute": 3, "second": 1}
